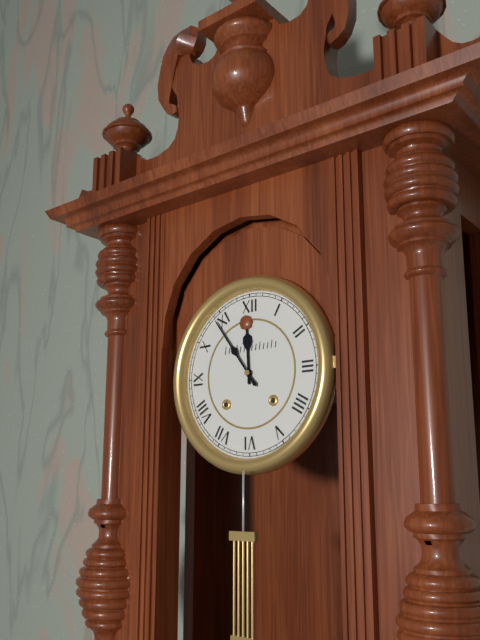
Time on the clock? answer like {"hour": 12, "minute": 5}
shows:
{"hour": 11, "minute": 54}
